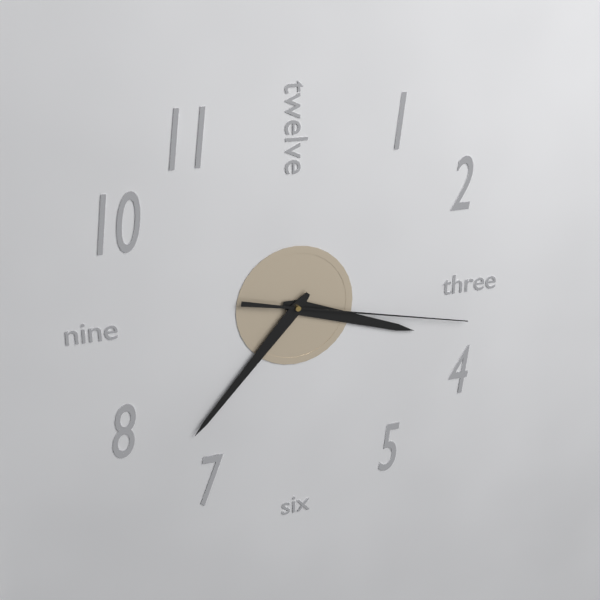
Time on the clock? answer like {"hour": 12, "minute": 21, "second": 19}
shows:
{"hour": 3, "minute": 37, "second": 17}
